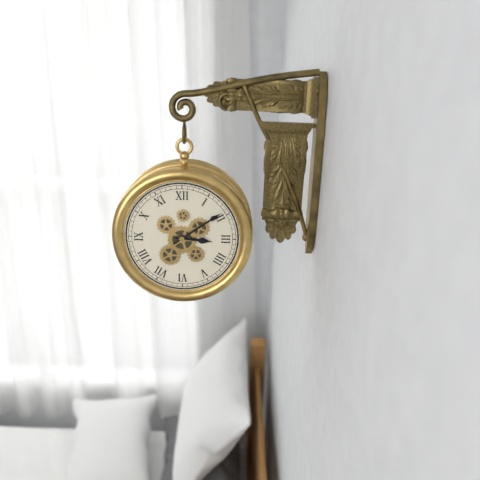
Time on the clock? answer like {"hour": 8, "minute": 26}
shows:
{"hour": 3, "minute": 9}
